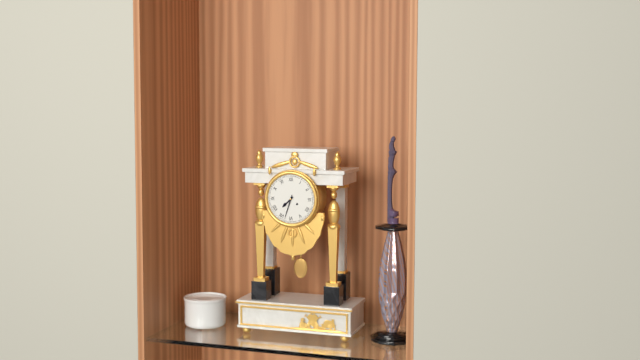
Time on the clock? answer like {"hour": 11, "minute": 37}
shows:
{"hour": 7, "minute": 33}
